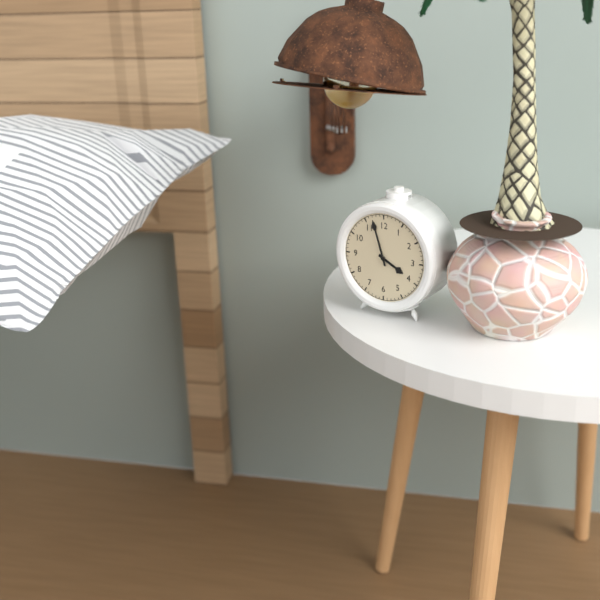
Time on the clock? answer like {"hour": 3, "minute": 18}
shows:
{"hour": 3, "minute": 57}
